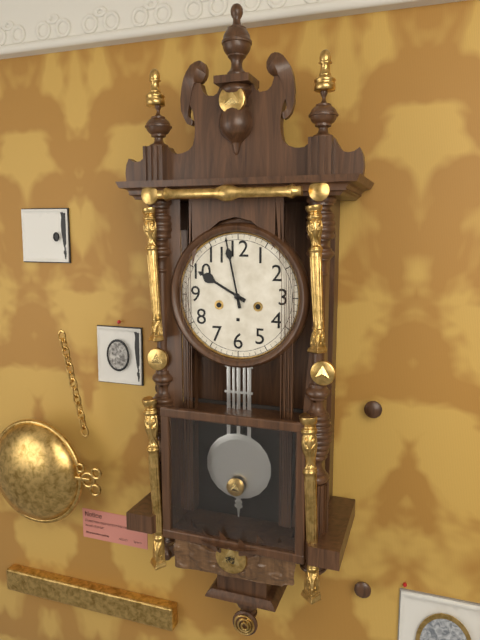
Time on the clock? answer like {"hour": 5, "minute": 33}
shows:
{"hour": 9, "minute": 58}
